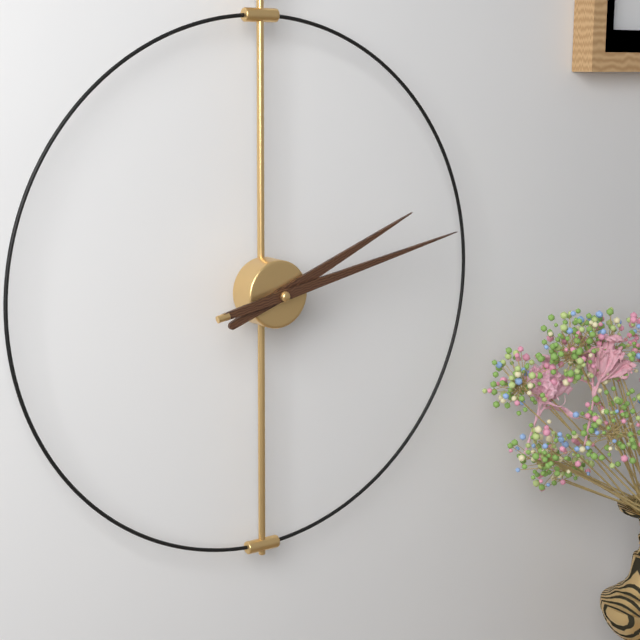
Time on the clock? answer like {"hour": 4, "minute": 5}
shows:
{"hour": 2, "minute": 13}
